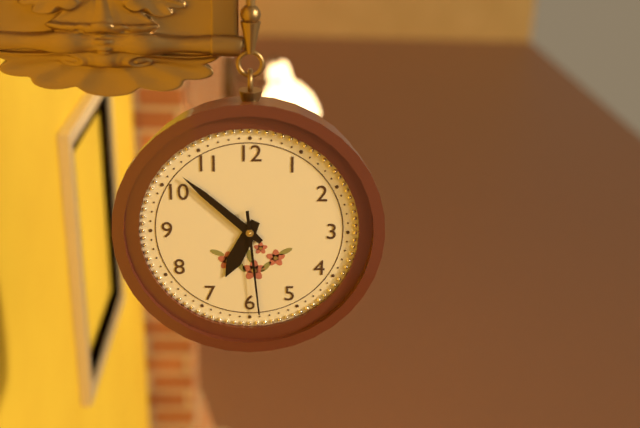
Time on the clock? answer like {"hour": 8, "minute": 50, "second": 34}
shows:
{"hour": 6, "minute": 52, "second": 29}
